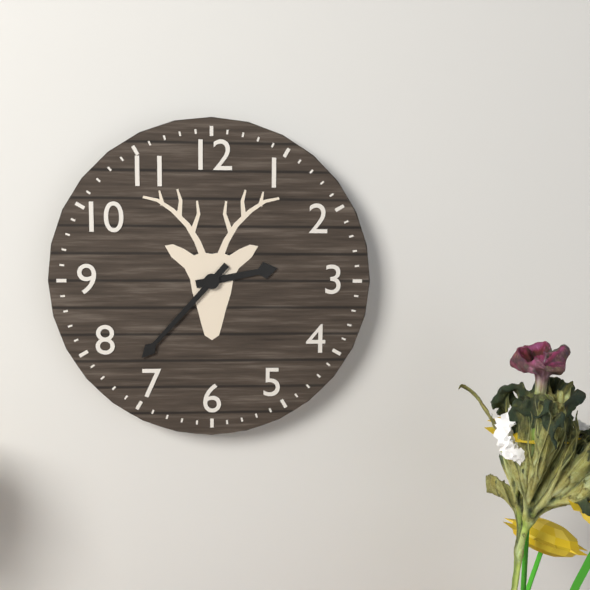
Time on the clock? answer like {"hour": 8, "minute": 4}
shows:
{"hour": 2, "minute": 37}
